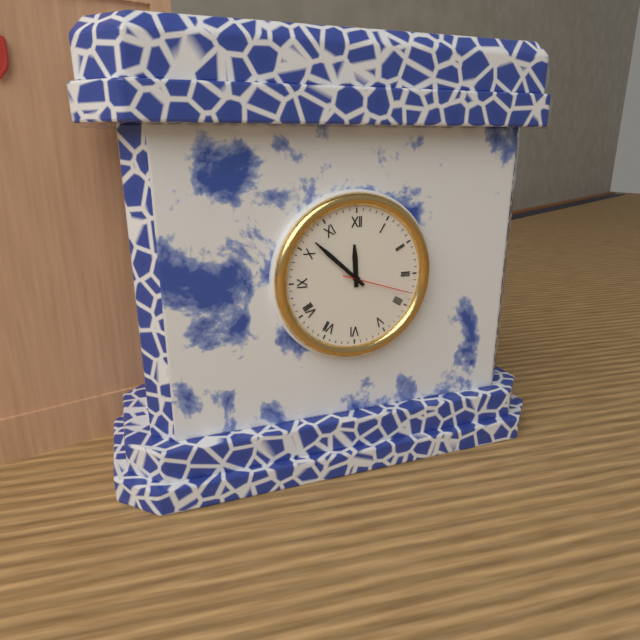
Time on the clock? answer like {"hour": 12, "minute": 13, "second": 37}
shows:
{"hour": 11, "minute": 52, "second": 18}
